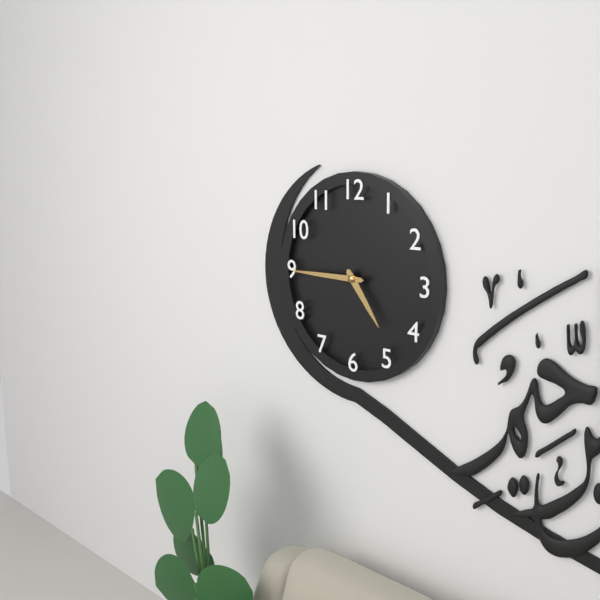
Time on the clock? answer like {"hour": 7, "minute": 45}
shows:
{"hour": 4, "minute": 45}
